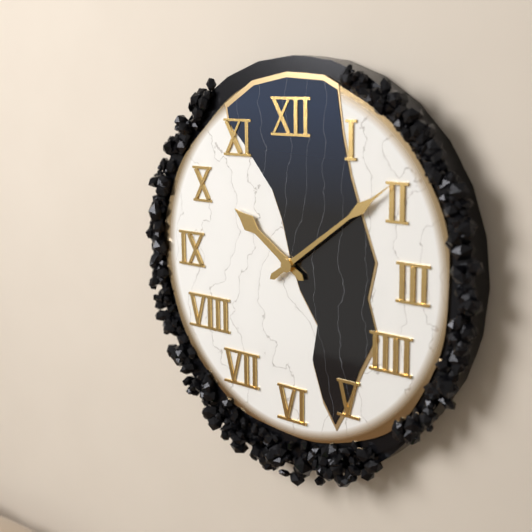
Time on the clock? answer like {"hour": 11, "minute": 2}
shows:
{"hour": 10, "minute": 9}
